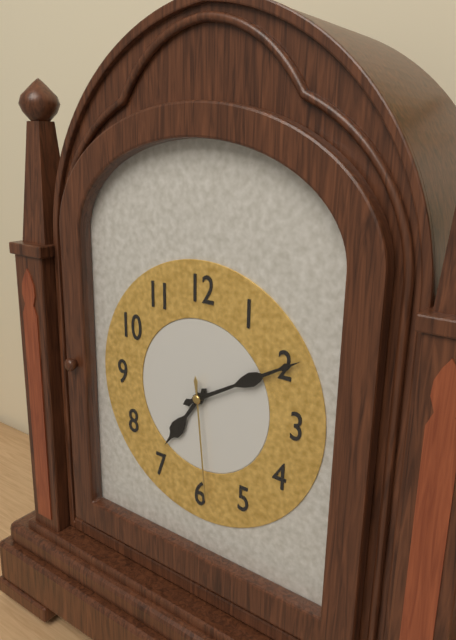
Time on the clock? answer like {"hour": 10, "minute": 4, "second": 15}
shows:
{"hour": 7, "minute": 10, "second": 29}
